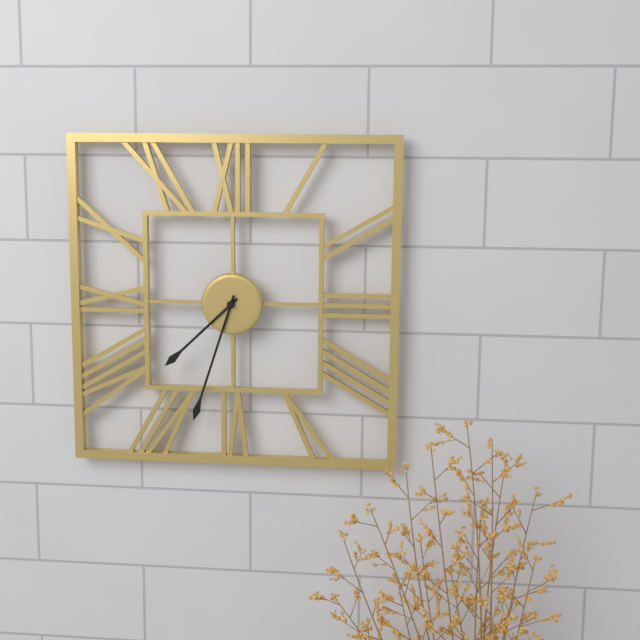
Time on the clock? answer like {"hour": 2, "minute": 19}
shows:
{"hour": 7, "minute": 33}
